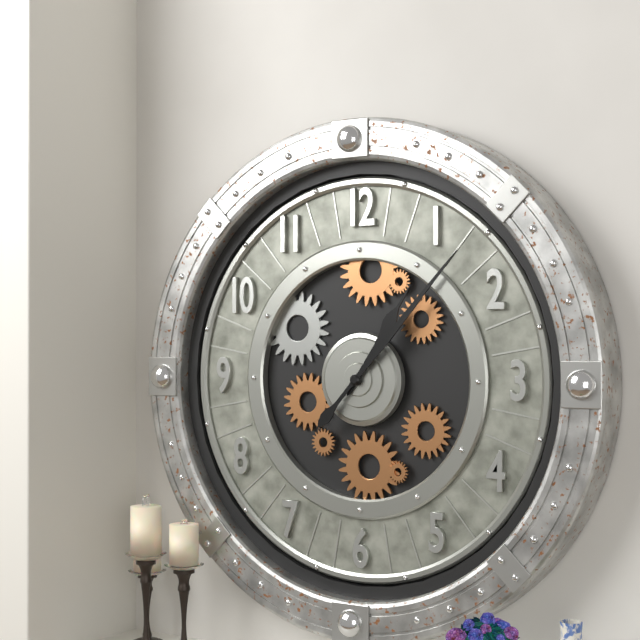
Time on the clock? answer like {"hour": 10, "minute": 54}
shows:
{"hour": 1, "minute": 7}
